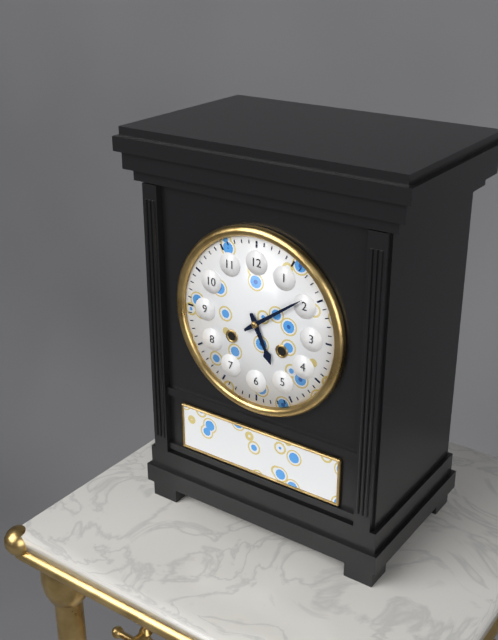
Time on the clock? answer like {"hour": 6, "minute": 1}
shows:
{"hour": 5, "minute": 9}
